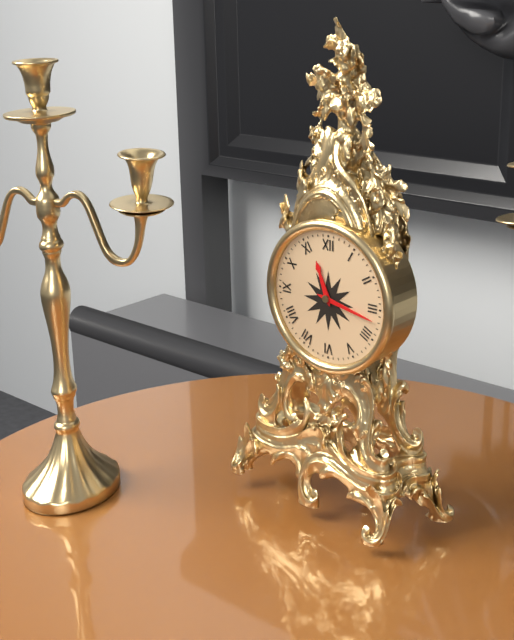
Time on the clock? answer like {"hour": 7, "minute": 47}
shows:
{"hour": 11, "minute": 17}
